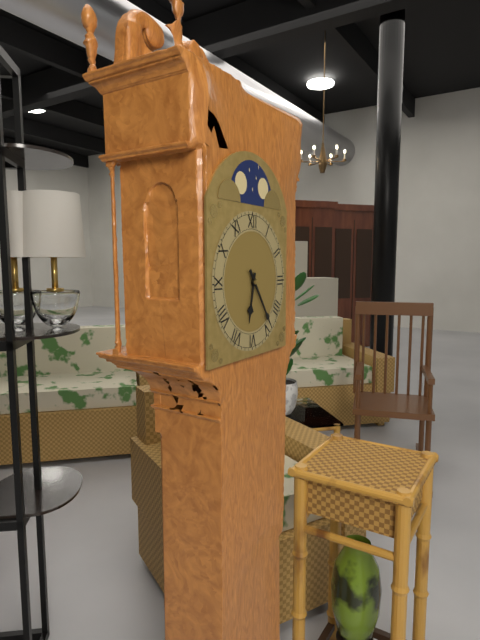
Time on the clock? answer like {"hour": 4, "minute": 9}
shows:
{"hour": 6, "minute": 24}
